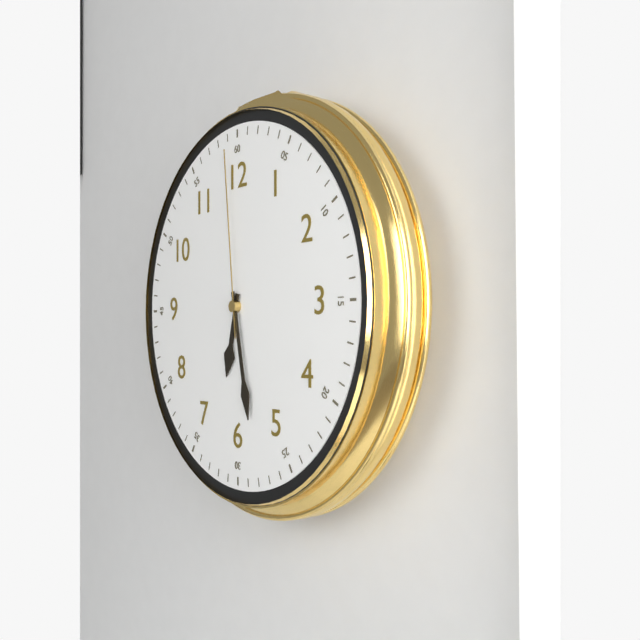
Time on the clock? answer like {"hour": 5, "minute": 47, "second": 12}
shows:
{"hour": 6, "minute": 28, "second": 59}
